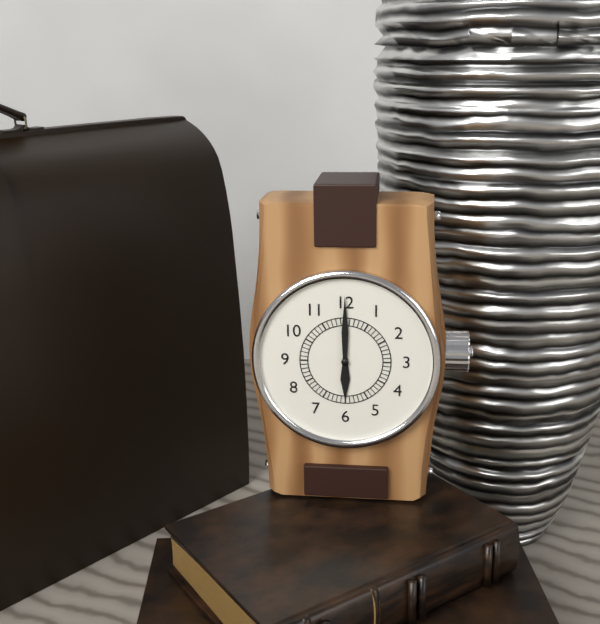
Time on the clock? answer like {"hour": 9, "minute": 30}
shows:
{"hour": 6, "minute": 0}
